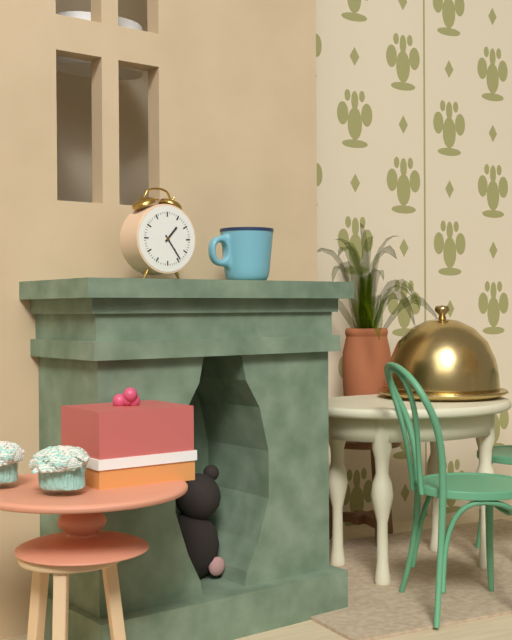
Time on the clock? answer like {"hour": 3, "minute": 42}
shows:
{"hour": 1, "minute": 24}
